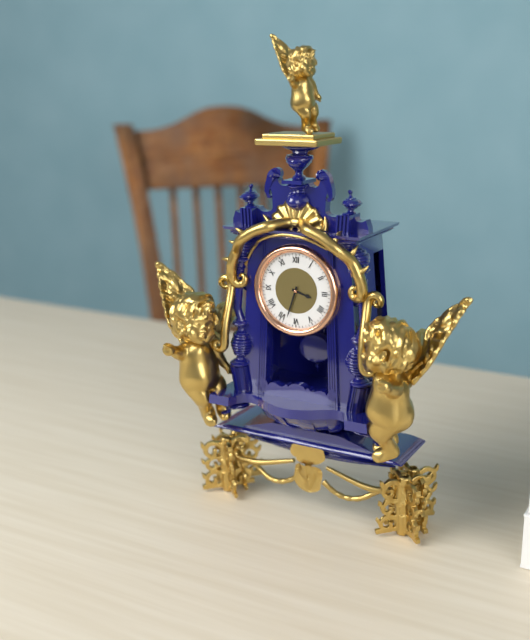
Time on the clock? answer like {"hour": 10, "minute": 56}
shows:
{"hour": 3, "minute": 33}
